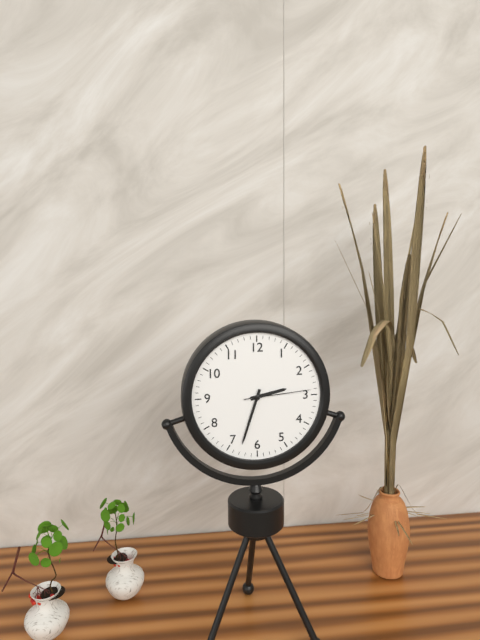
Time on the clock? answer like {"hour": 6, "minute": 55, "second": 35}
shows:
{"hour": 2, "minute": 33, "second": 14}
